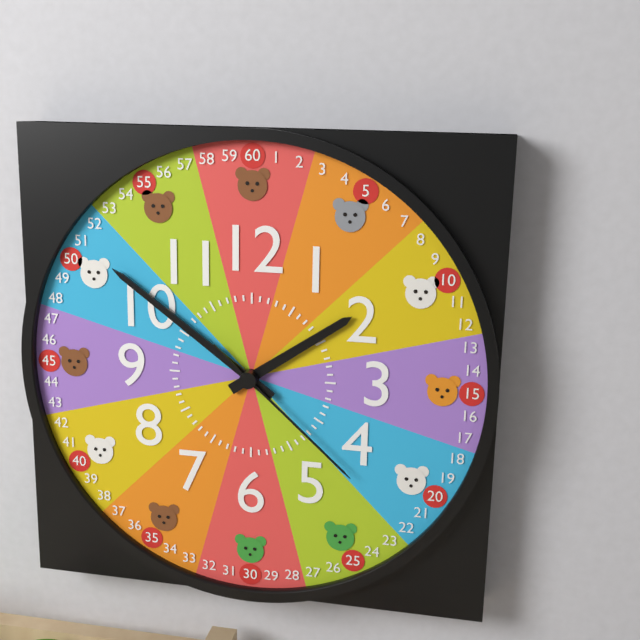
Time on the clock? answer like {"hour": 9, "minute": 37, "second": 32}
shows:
{"hour": 1, "minute": 51, "second": 22}
